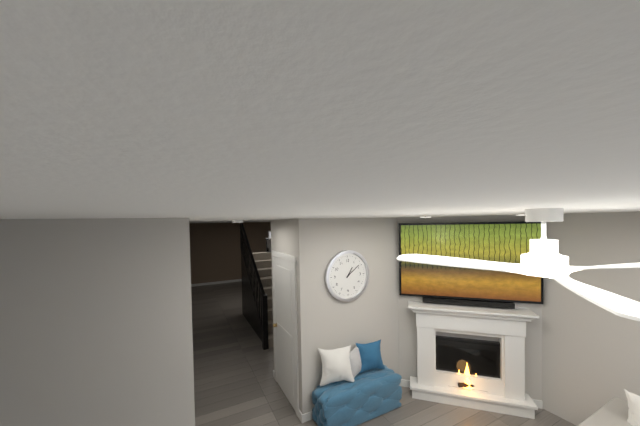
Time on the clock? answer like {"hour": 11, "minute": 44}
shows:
{"hour": 1, "minute": 9}
